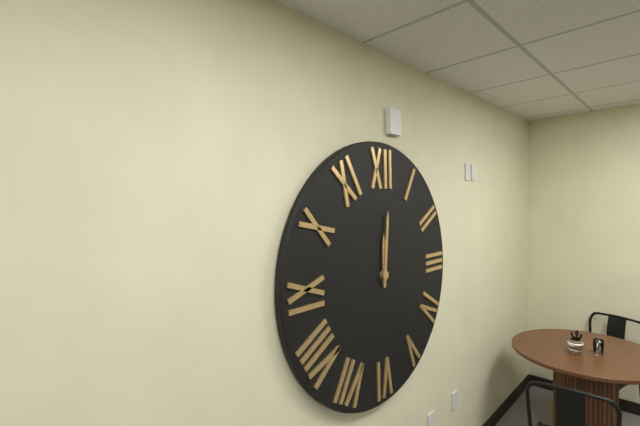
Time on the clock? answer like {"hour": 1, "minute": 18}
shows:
{"hour": 12, "minute": 1}
